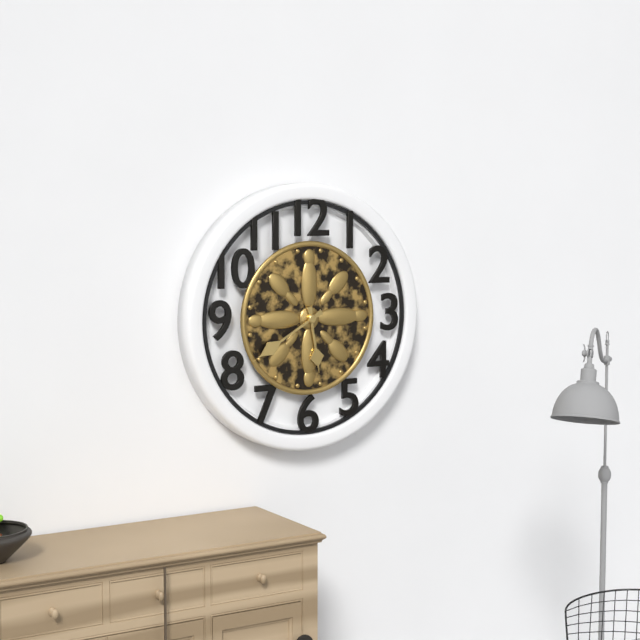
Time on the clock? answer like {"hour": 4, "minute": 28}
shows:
{"hour": 5, "minute": 40}
